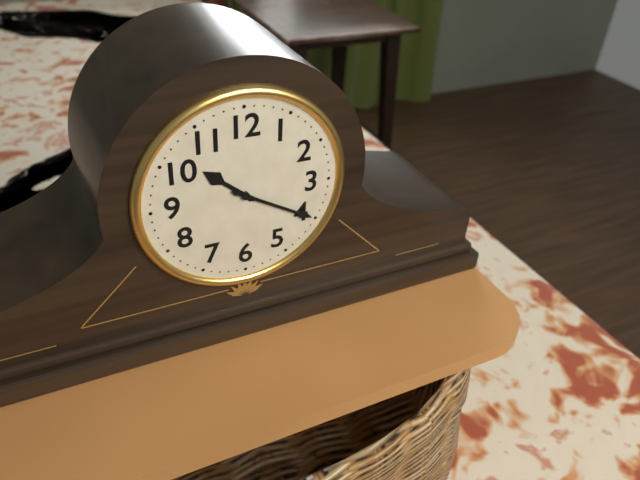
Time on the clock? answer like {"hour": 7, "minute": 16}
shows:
{"hour": 10, "minute": 20}
